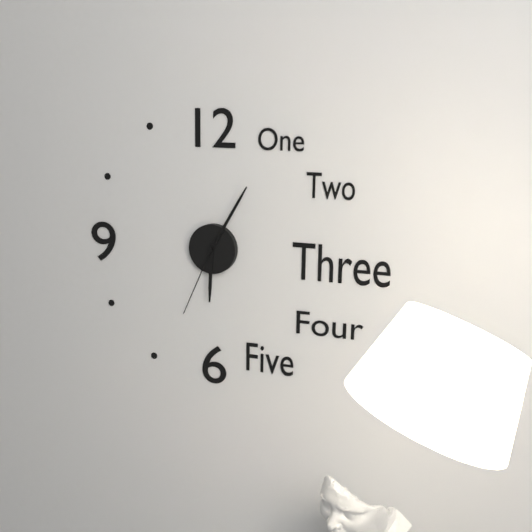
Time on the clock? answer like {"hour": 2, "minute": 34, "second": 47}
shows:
{"hour": 6, "minute": 5, "second": 34}
